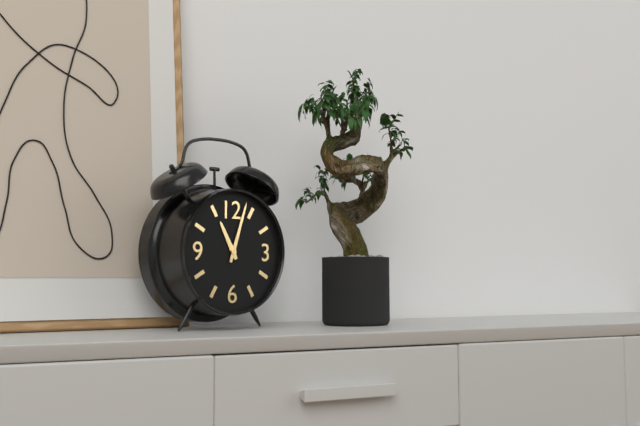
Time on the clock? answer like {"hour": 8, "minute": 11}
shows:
{"hour": 11, "minute": 3}
